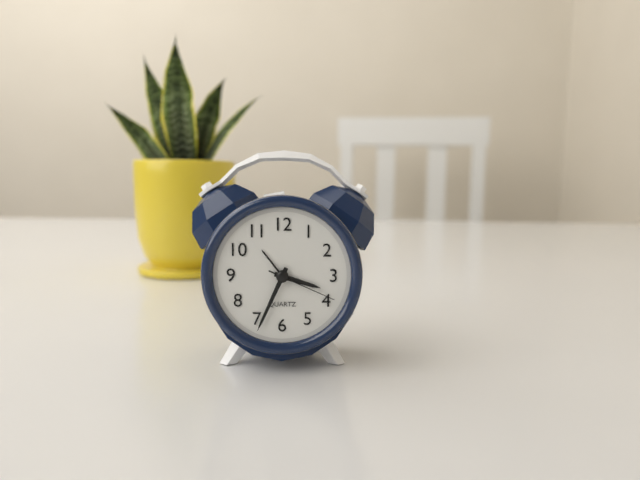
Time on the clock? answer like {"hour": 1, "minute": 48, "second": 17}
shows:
{"hour": 3, "minute": 34, "second": 19}
